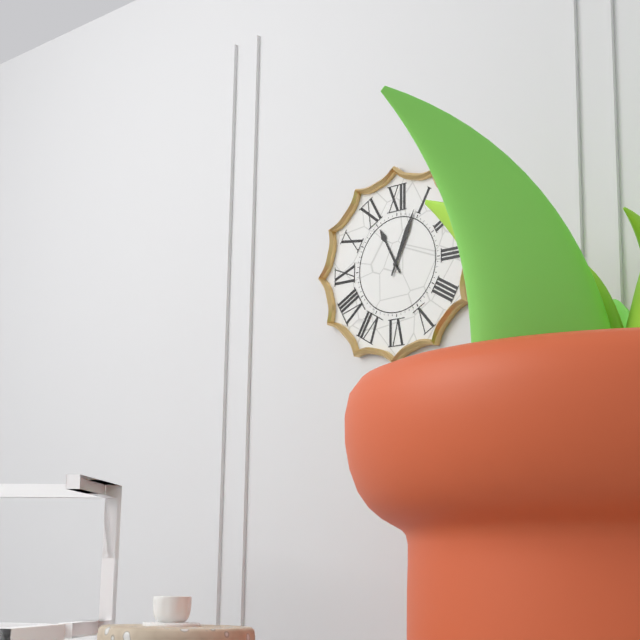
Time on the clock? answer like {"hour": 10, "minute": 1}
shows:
{"hour": 11, "minute": 4}
